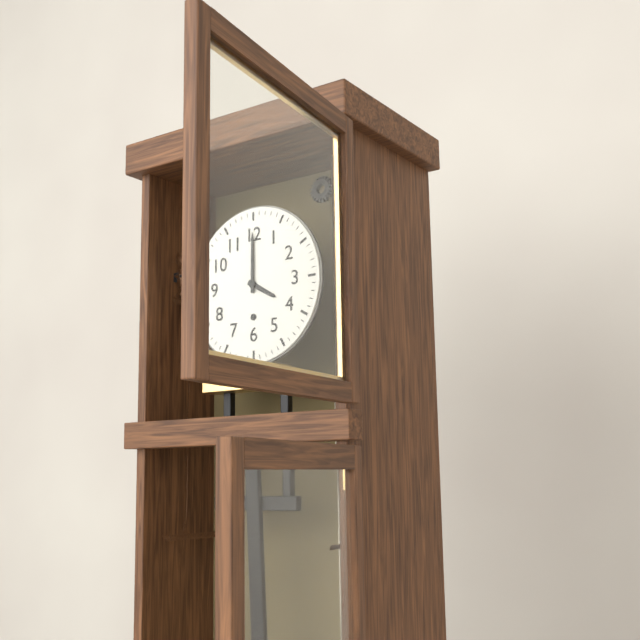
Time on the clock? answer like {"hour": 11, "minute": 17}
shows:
{"hour": 4, "minute": 0}
